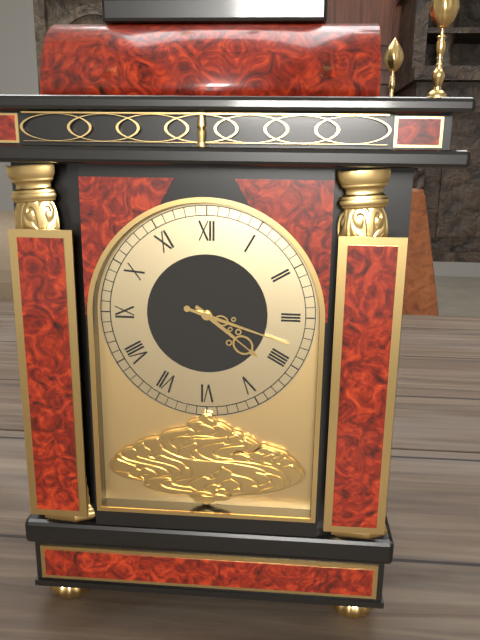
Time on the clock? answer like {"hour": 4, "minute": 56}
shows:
{"hour": 4, "minute": 18}
